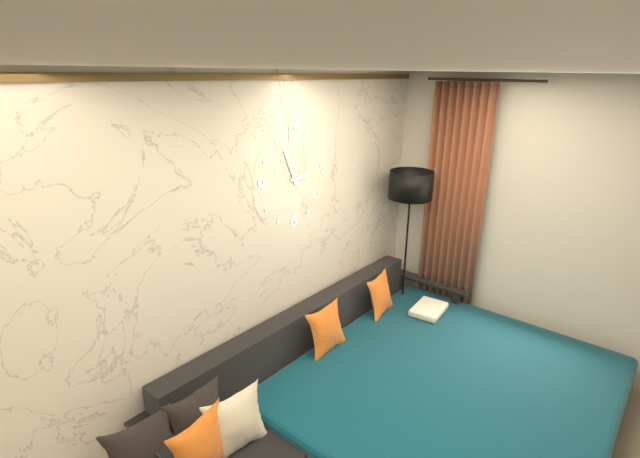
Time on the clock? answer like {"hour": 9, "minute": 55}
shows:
{"hour": 2, "minute": 56}
